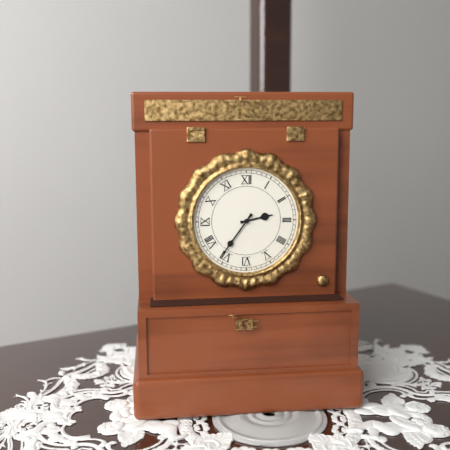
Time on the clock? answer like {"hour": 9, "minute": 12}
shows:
{"hour": 2, "minute": 36}
